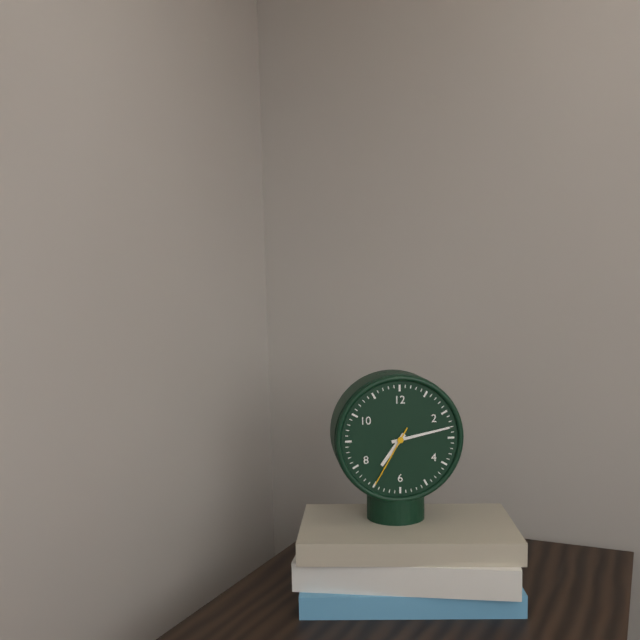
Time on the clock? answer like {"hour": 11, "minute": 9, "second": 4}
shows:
{"hour": 7, "minute": 13, "second": 35}
